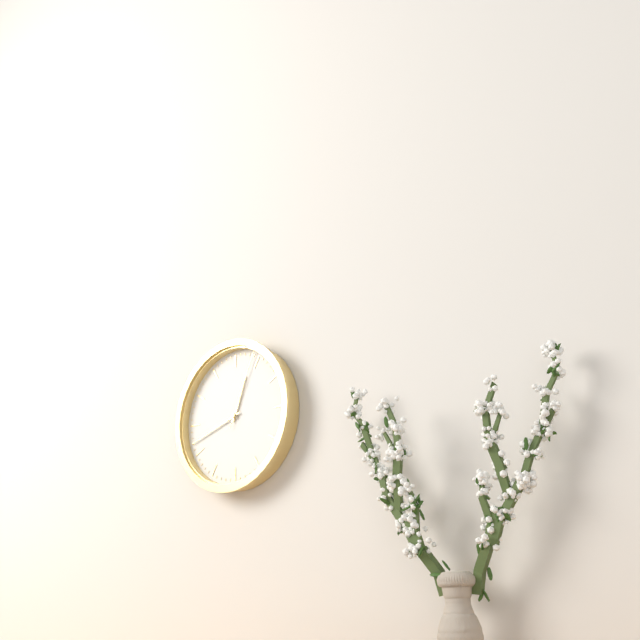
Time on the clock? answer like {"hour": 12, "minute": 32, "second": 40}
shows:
{"hour": 12, "minute": 42, "second": 4}
